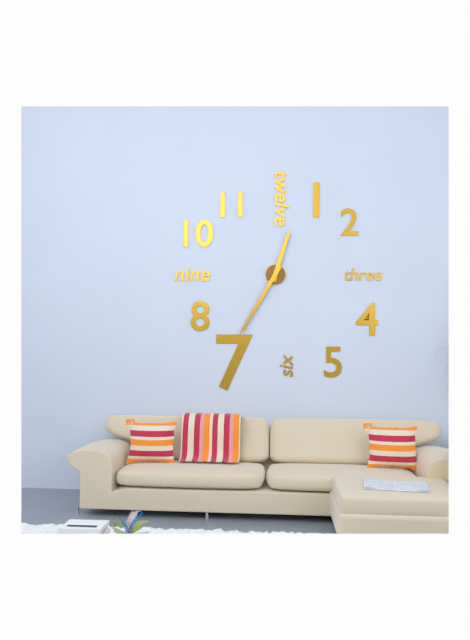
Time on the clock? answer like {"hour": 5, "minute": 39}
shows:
{"hour": 12, "minute": 35}
